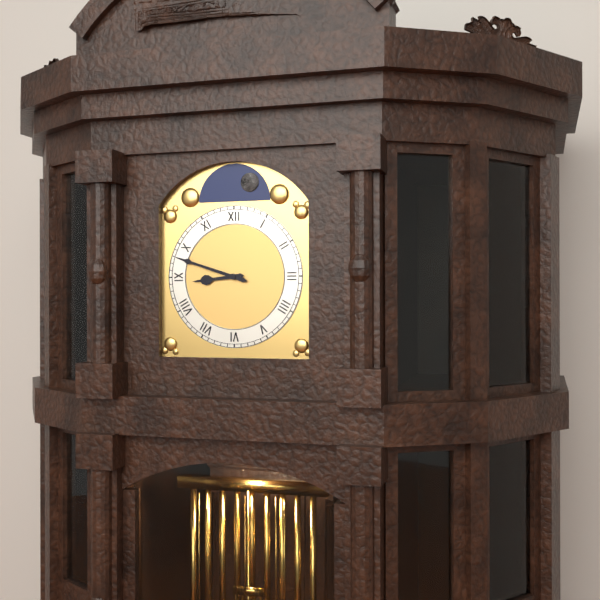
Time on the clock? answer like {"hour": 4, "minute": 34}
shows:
{"hour": 8, "minute": 48}
